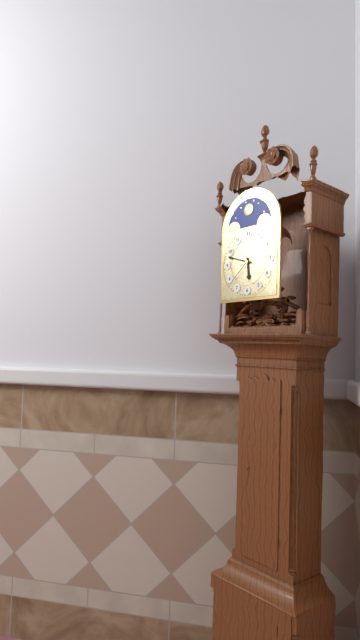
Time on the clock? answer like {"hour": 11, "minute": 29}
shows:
{"hour": 5, "minute": 48}
